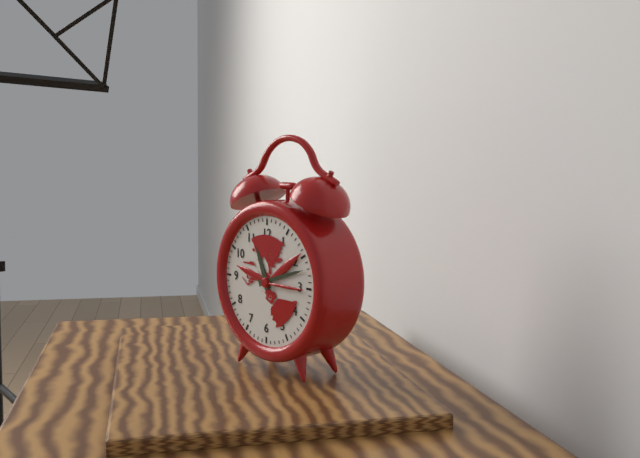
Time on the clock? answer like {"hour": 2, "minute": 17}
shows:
{"hour": 11, "minute": 12}
